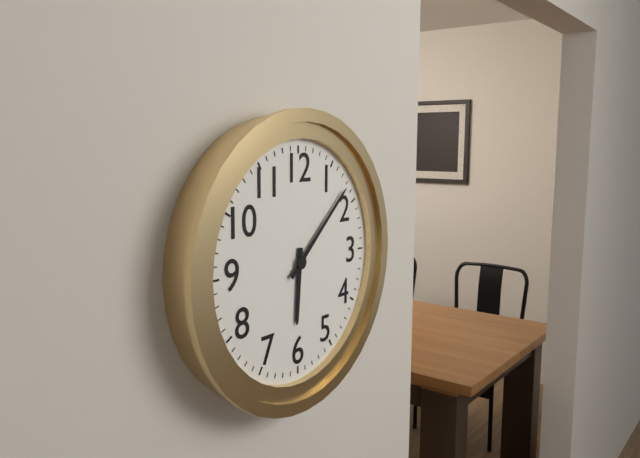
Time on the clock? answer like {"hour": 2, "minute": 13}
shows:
{"hour": 6, "minute": 8}
